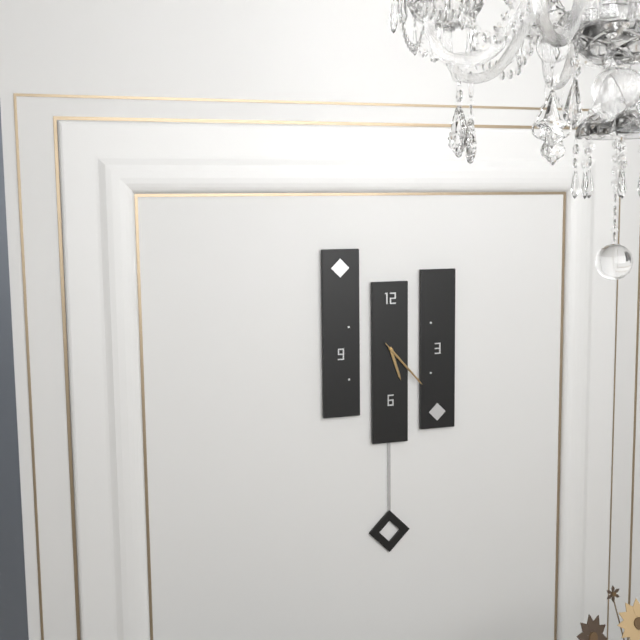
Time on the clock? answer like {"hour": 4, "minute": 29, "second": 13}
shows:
{"hour": 5, "minute": 23, "second": 23}
